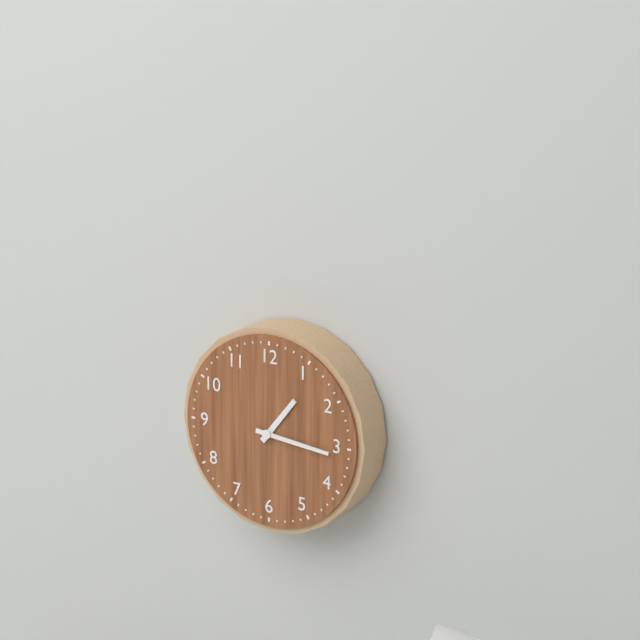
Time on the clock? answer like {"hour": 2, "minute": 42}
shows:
{"hour": 1, "minute": 16}
